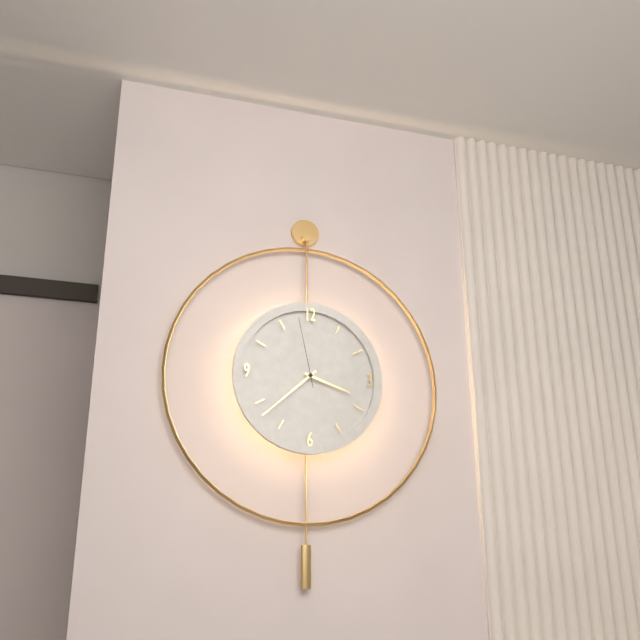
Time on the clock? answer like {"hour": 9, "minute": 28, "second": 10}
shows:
{"hour": 3, "minute": 38, "second": 58}
